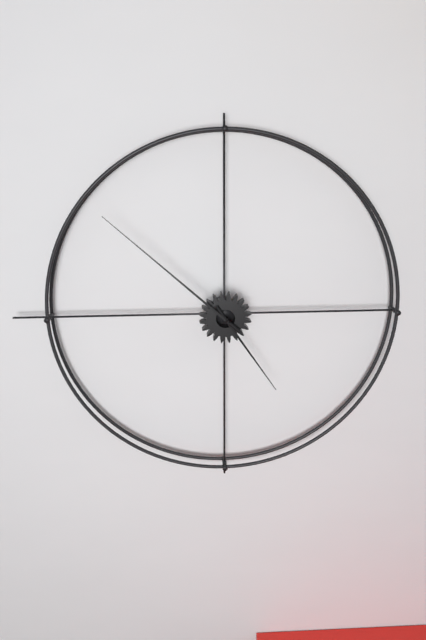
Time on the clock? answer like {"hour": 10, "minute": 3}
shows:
{"hour": 4, "minute": 52}
